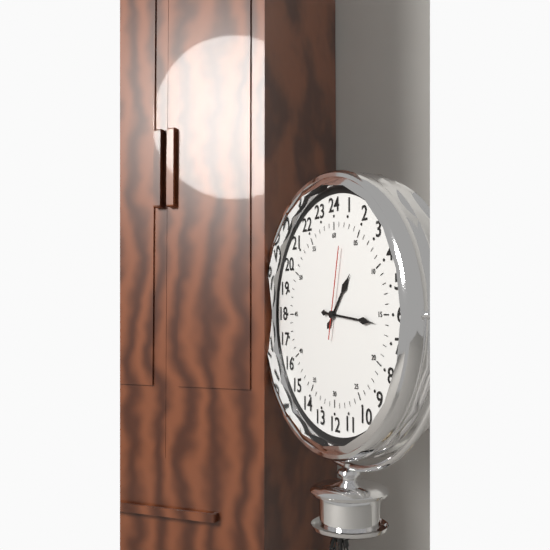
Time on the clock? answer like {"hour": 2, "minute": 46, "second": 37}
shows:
{"hour": 1, "minute": 16, "second": 2}
